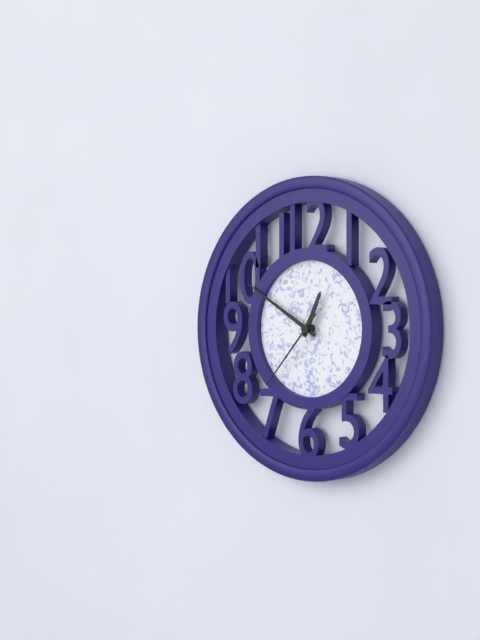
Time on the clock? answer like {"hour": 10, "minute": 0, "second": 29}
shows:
{"hour": 12, "minute": 50, "second": 37}
